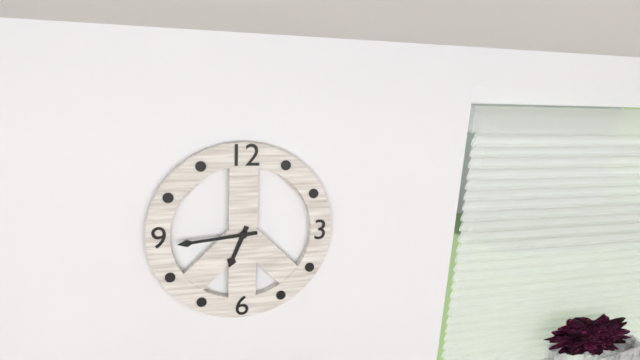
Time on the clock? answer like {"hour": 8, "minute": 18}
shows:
{"hour": 6, "minute": 44}
